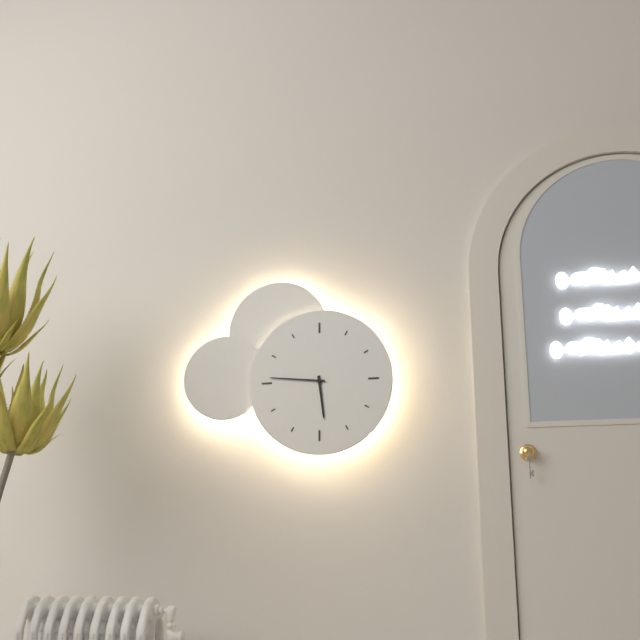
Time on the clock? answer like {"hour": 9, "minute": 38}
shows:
{"hour": 5, "minute": 46}
